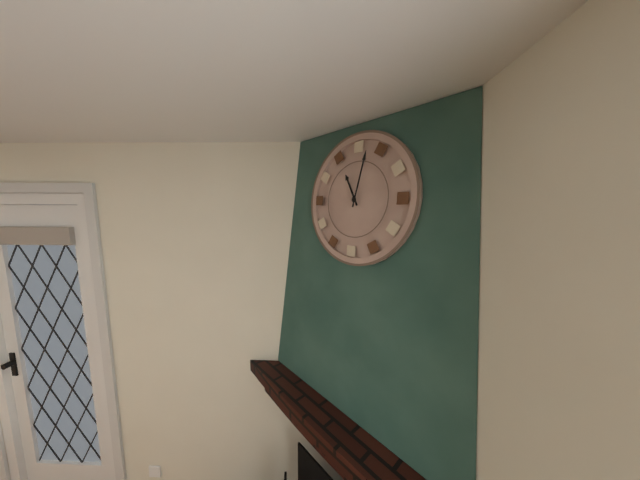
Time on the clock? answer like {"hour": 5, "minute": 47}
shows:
{"hour": 11, "minute": 2}
